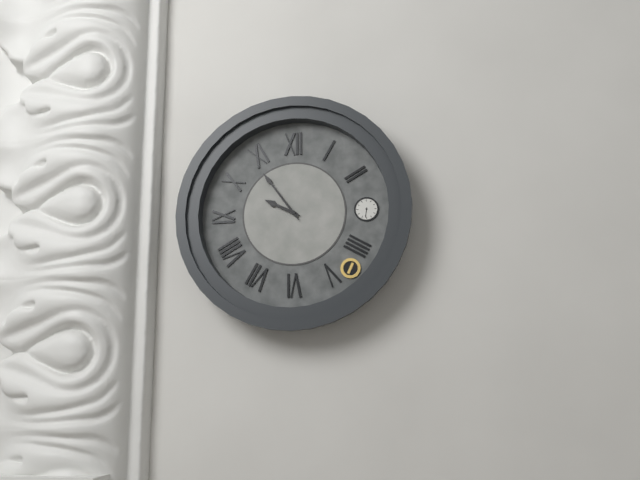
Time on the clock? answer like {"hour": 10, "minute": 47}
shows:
{"hour": 9, "minute": 54}
